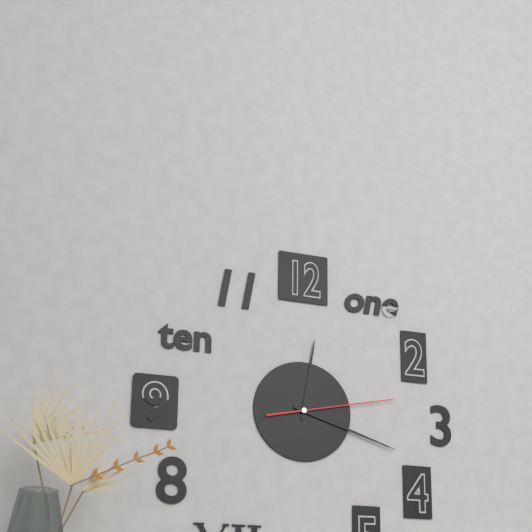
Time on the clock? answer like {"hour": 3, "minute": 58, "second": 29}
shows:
{"hour": 12, "minute": 18, "second": 13}
